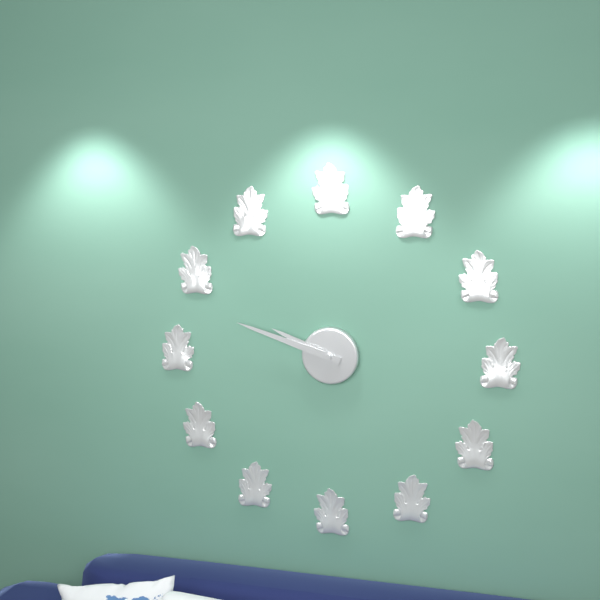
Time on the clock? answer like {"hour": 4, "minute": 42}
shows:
{"hour": 9, "minute": 48}
